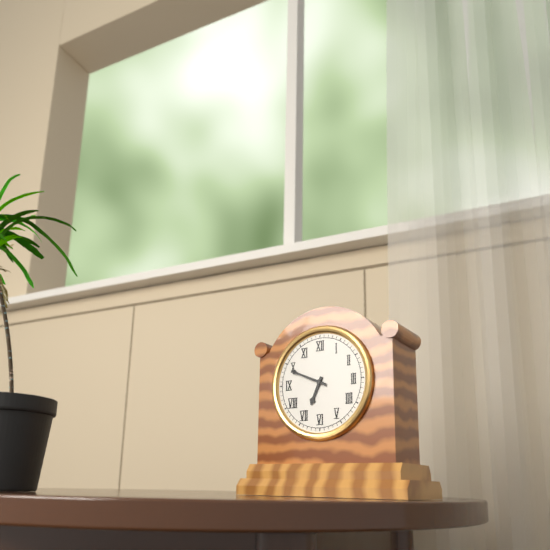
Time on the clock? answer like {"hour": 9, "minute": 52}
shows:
{"hour": 6, "minute": 49}
